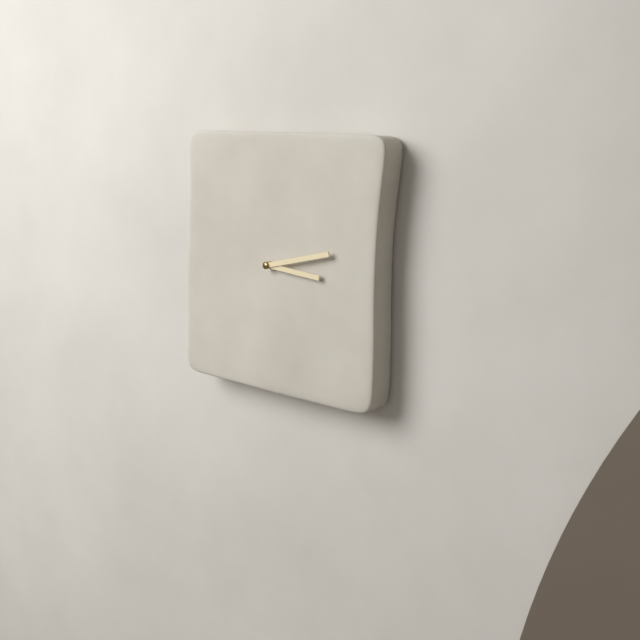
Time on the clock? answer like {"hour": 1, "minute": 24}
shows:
{"hour": 3, "minute": 13}
